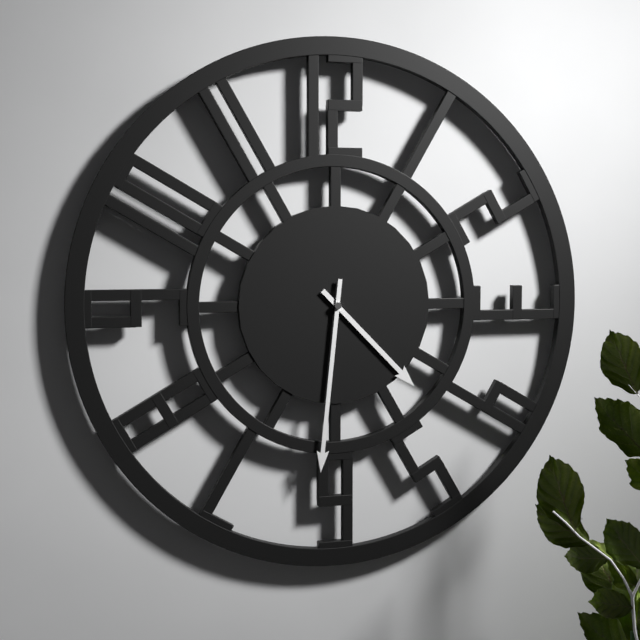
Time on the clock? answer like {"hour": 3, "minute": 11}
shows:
{"hour": 4, "minute": 31}
